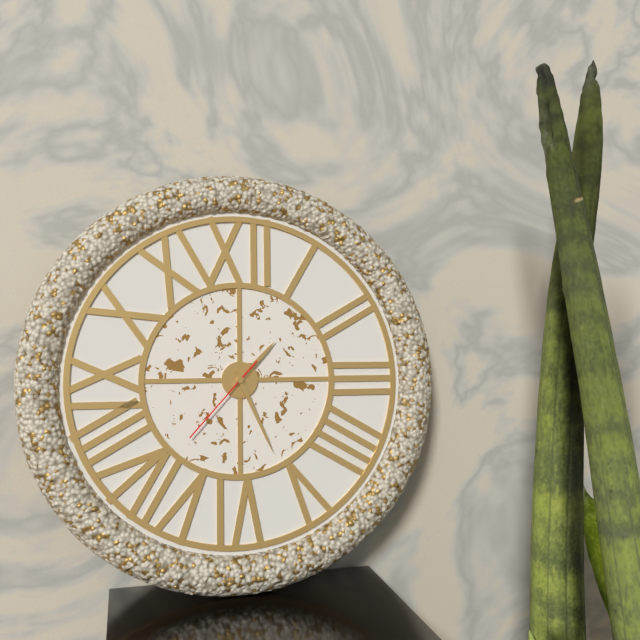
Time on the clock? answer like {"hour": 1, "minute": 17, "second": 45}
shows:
{"hour": 1, "minute": 26, "second": 37}
